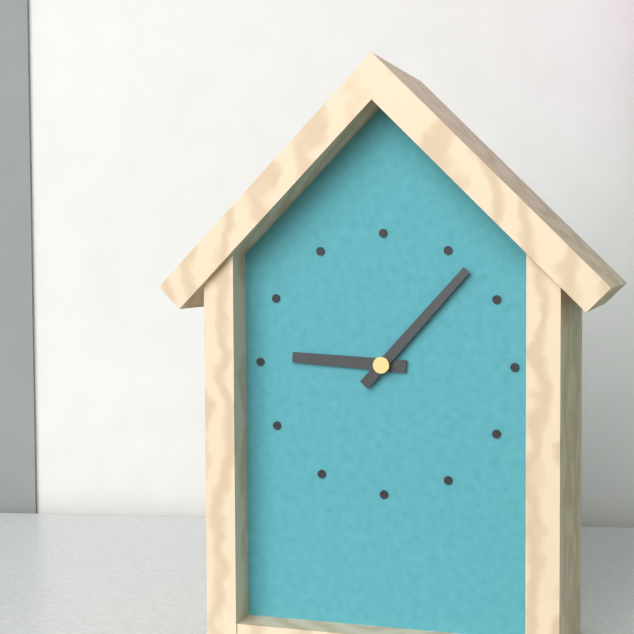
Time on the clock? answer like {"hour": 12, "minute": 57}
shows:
{"hour": 9, "minute": 7}
